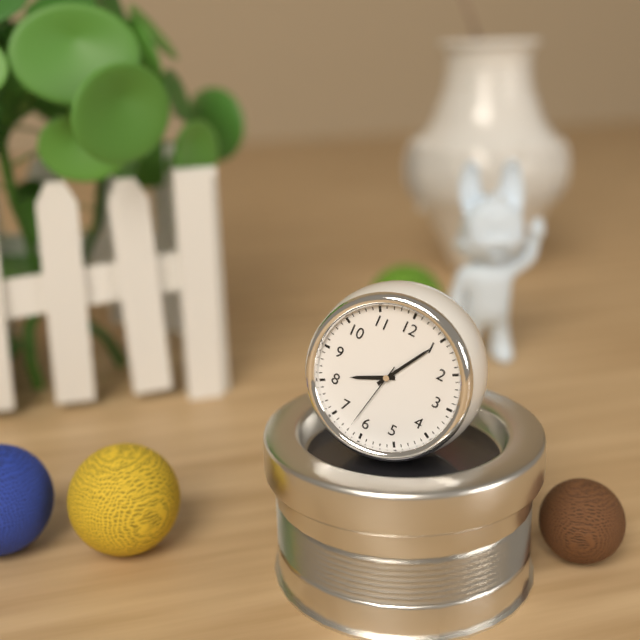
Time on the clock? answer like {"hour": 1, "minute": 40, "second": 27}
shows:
{"hour": 8, "minute": 5, "second": 32}
